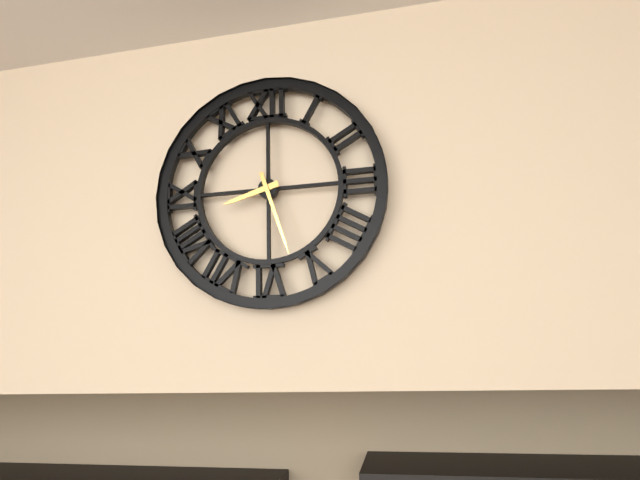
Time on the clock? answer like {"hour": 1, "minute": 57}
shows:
{"hour": 8, "minute": 27}
